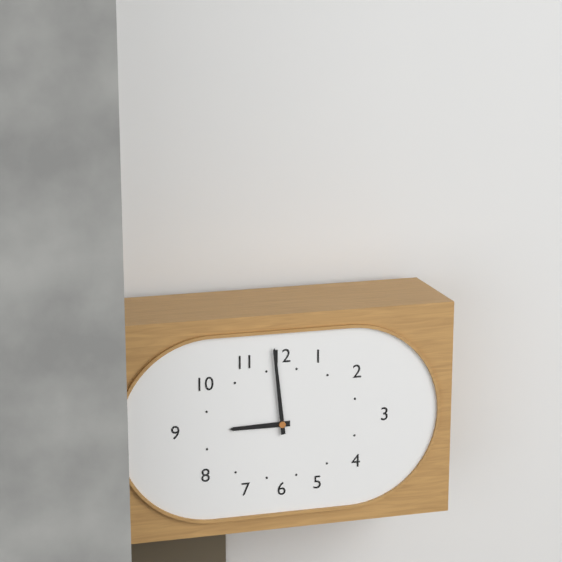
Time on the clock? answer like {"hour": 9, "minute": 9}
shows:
{"hour": 8, "minute": 59}
